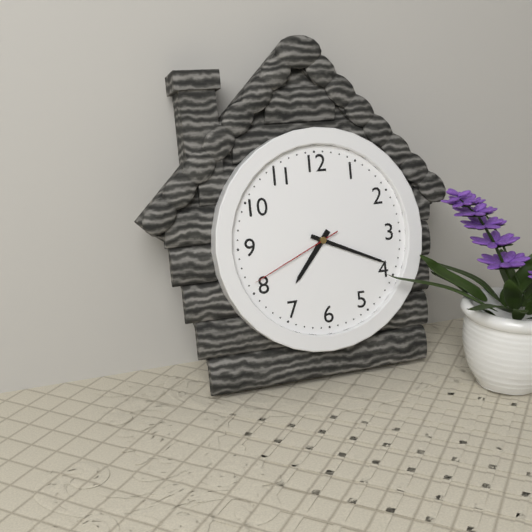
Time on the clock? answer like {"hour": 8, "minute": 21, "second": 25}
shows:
{"hour": 7, "minute": 19, "second": 41}
